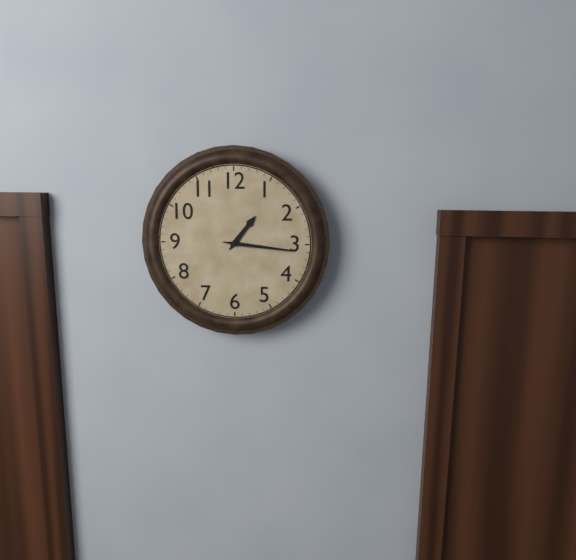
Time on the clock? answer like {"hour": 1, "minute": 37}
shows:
{"hour": 1, "minute": 16}
